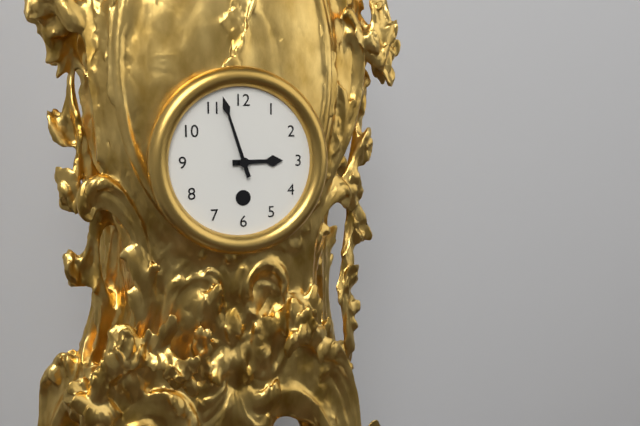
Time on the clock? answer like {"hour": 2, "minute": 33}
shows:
{"hour": 2, "minute": 57}
